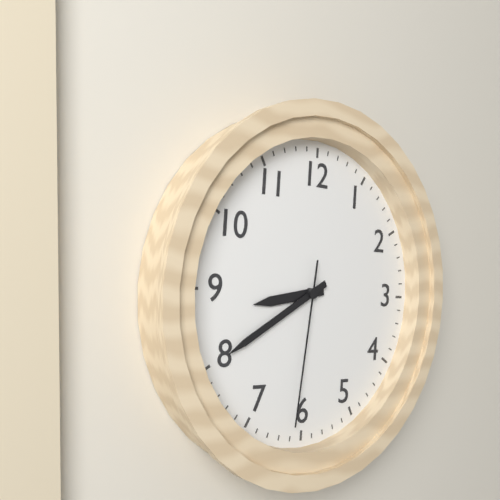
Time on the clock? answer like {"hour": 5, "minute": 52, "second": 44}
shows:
{"hour": 8, "minute": 40, "second": 31}
